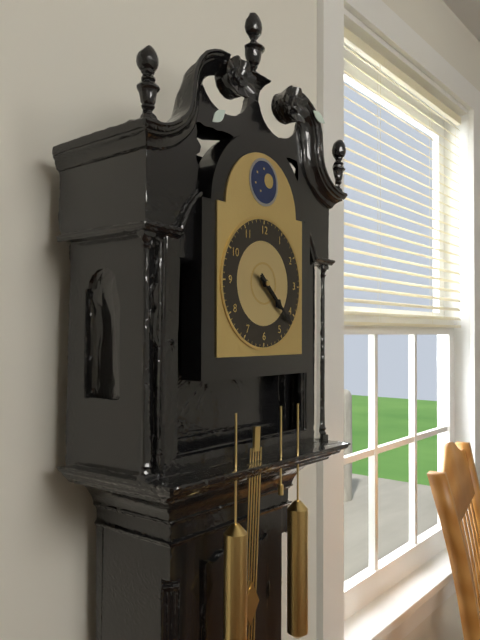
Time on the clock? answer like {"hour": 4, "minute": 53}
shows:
{"hour": 4, "minute": 22}
